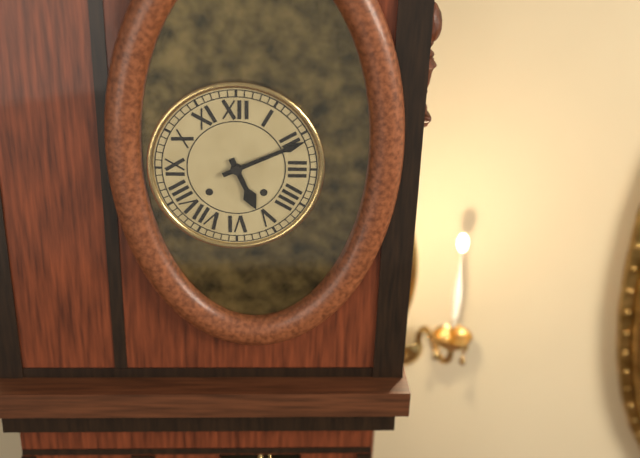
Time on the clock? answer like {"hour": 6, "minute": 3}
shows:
{"hour": 5, "minute": 11}
